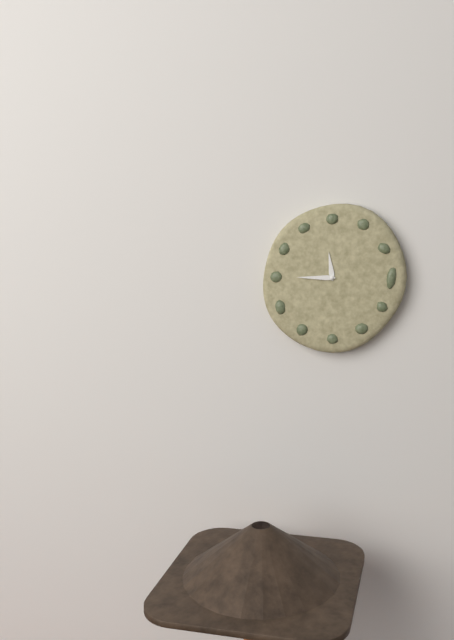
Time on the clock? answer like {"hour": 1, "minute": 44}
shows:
{"hour": 11, "minute": 45}
